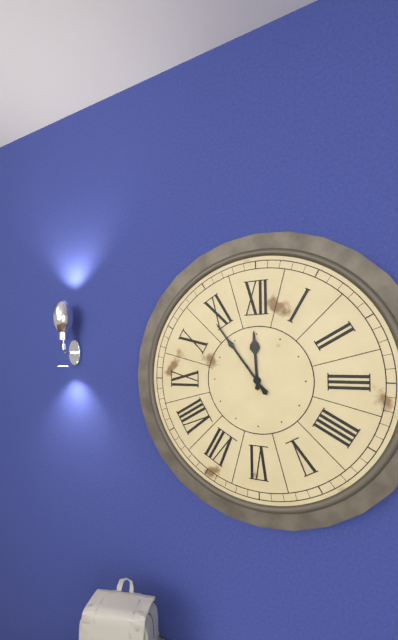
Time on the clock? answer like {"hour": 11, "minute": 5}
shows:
{"hour": 11, "minute": 54}
